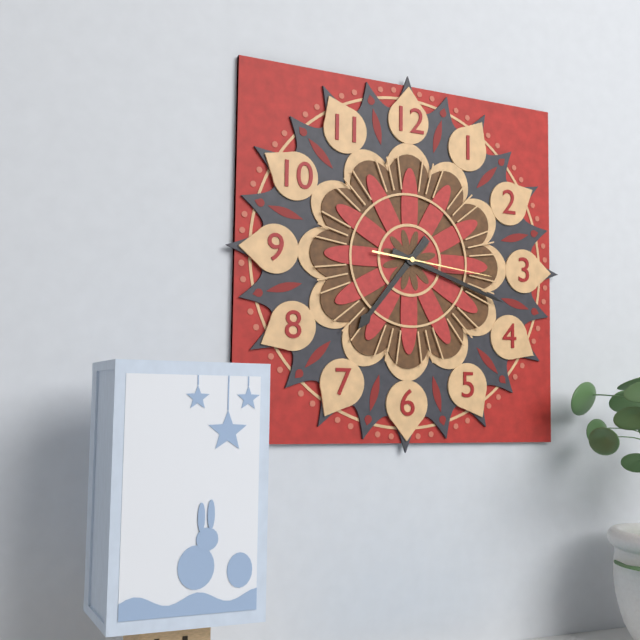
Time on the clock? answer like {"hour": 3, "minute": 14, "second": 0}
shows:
{"hour": 7, "minute": 18, "second": 16}
